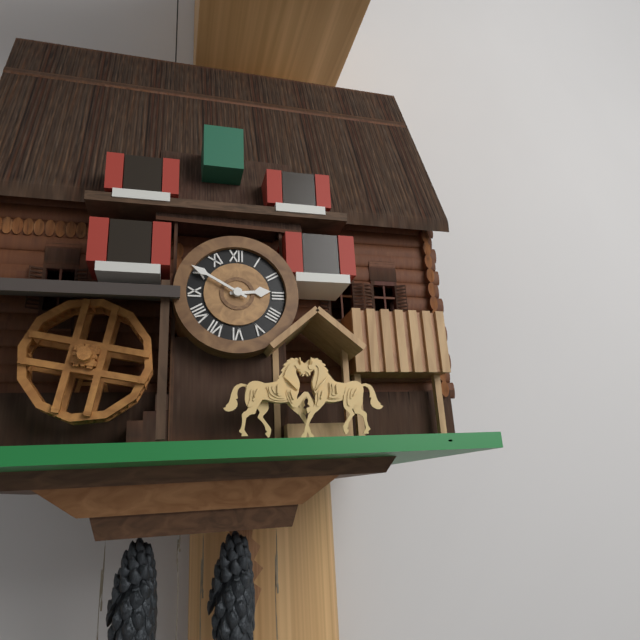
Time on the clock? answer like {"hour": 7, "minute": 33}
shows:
{"hour": 2, "minute": 50}
